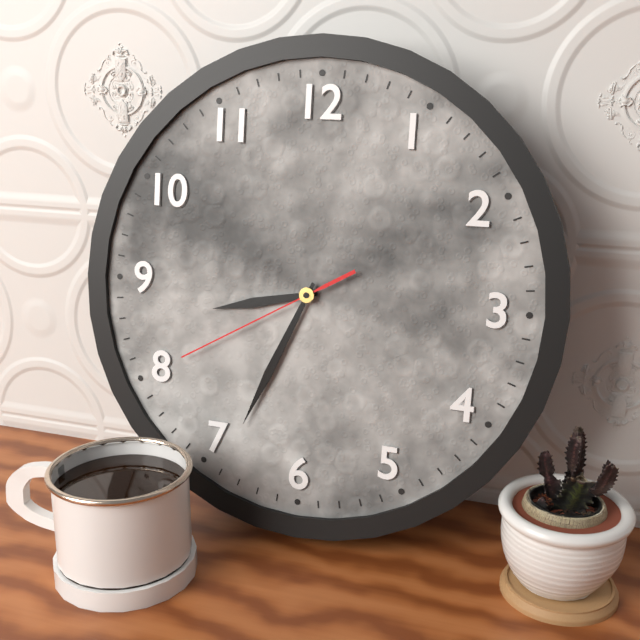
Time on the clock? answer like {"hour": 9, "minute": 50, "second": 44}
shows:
{"hour": 8, "minute": 34, "second": 40}
